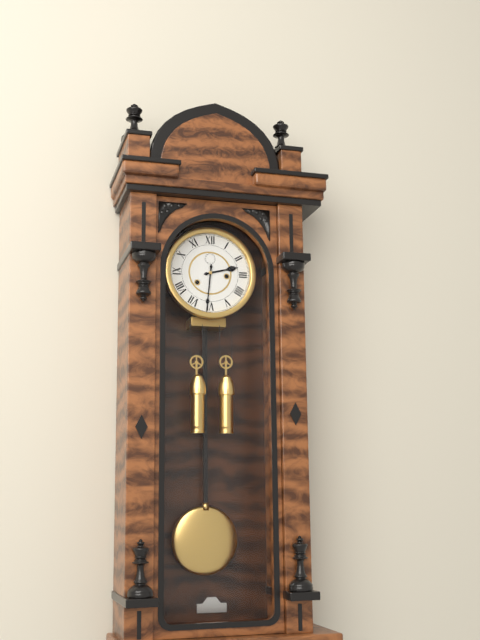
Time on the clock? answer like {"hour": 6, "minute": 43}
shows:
{"hour": 2, "minute": 31}
